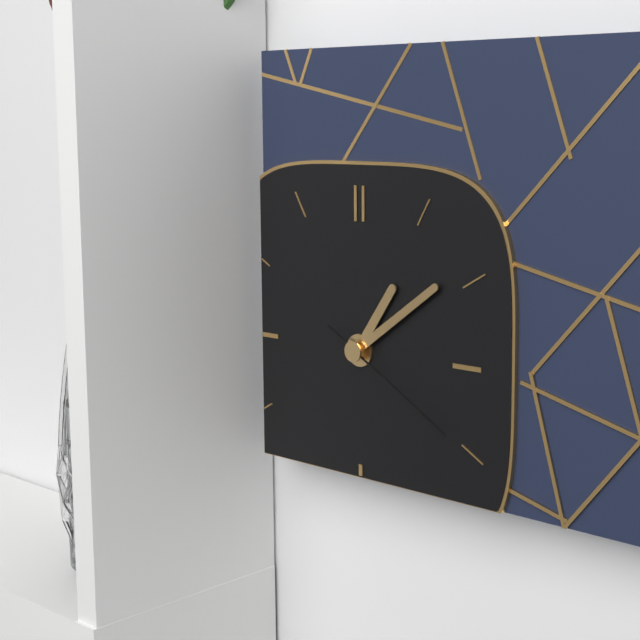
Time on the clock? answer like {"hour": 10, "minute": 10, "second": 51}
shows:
{"hour": 1, "minute": 9, "second": 20}
